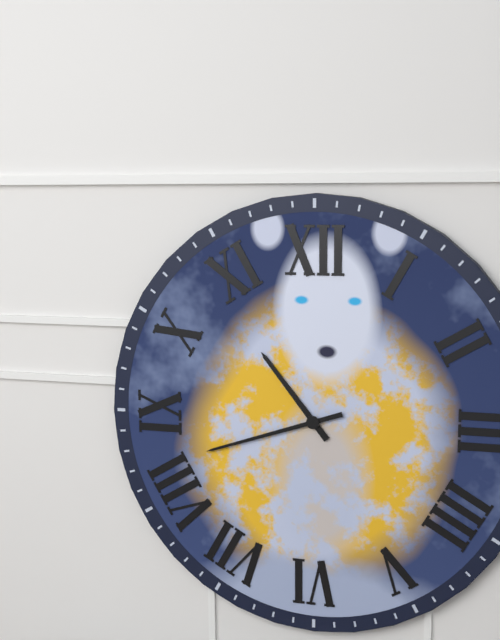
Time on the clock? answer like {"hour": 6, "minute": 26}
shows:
{"hour": 10, "minute": 42}
